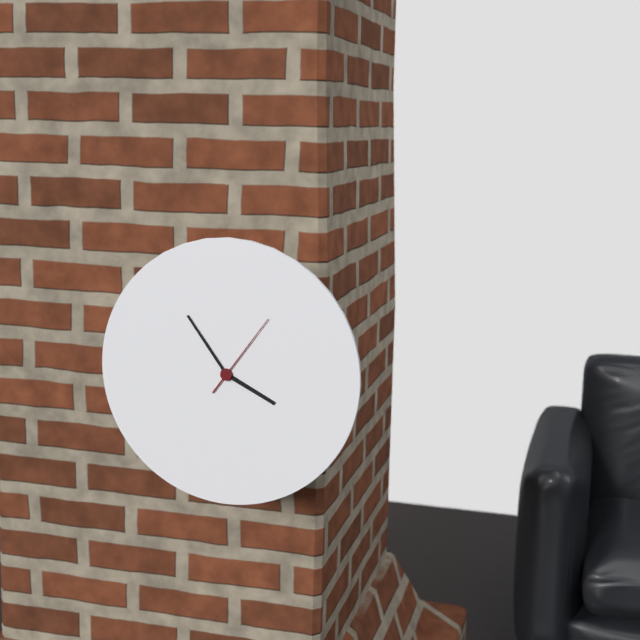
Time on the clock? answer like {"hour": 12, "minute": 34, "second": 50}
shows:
{"hour": 3, "minute": 54, "second": 6}
